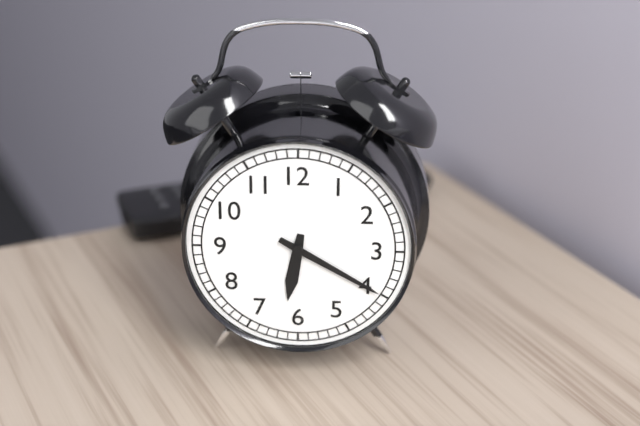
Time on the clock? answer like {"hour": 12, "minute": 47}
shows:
{"hour": 6, "minute": 20}
